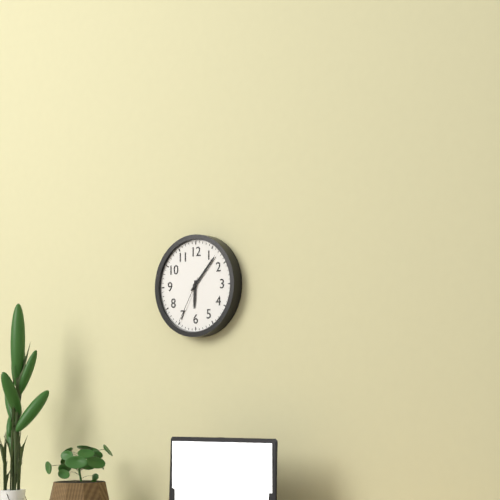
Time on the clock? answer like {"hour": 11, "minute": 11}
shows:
{"hour": 6, "minute": 7}
